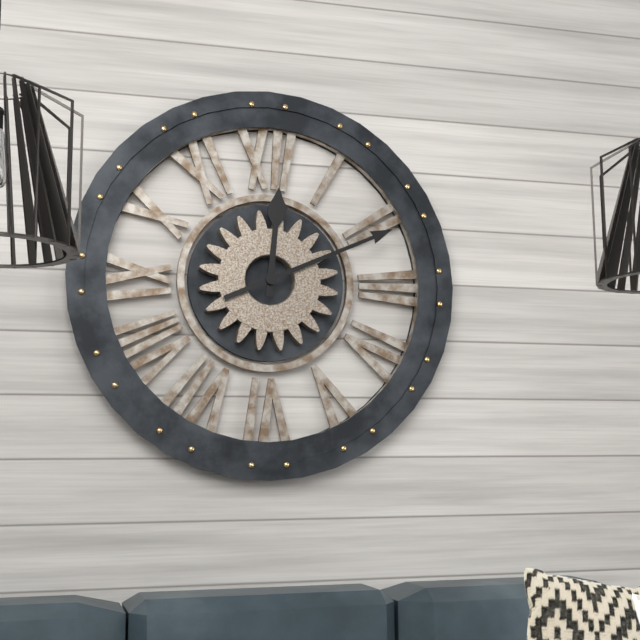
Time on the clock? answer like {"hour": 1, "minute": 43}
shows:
{"hour": 12, "minute": 11}
